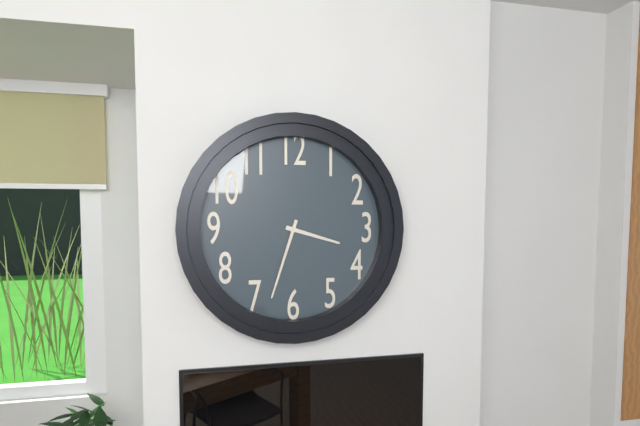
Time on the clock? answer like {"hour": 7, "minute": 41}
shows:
{"hour": 3, "minute": 33}
